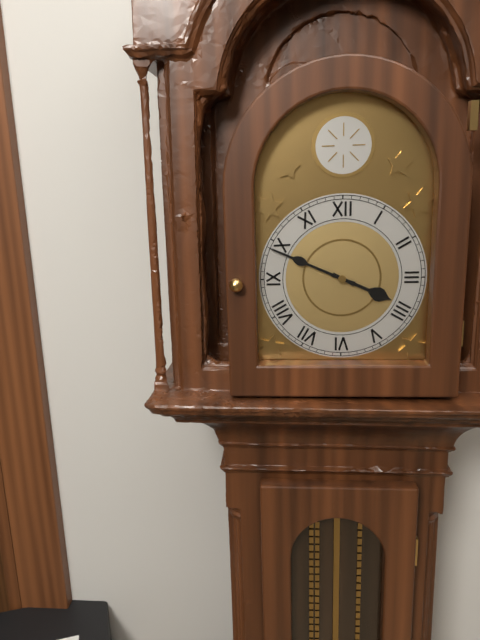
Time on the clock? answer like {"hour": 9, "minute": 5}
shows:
{"hour": 3, "minute": 49}
